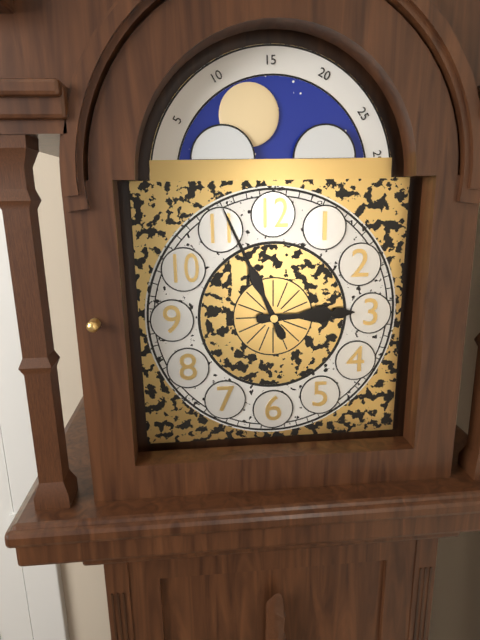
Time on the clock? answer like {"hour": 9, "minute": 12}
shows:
{"hour": 2, "minute": 56}
